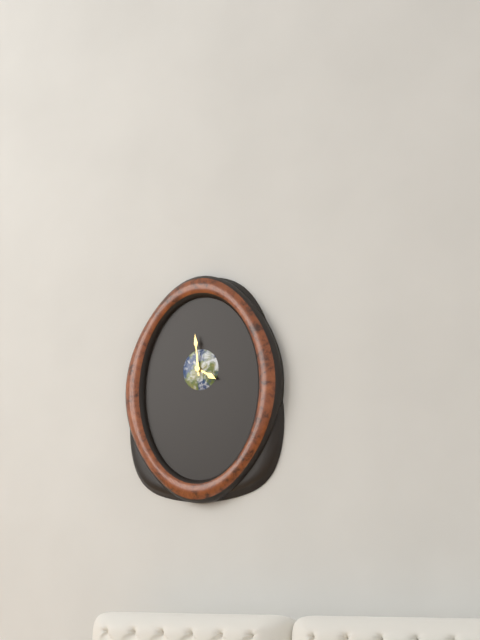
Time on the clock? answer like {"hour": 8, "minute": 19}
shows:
{"hour": 3, "minute": 59}
